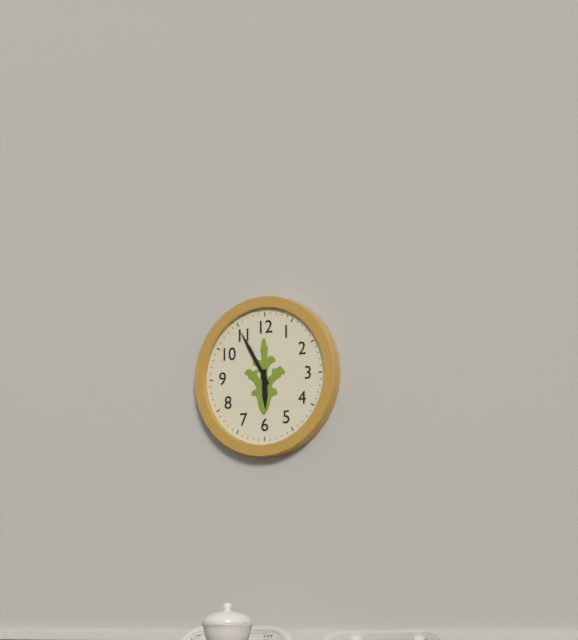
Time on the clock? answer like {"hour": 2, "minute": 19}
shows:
{"hour": 5, "minute": 55}
